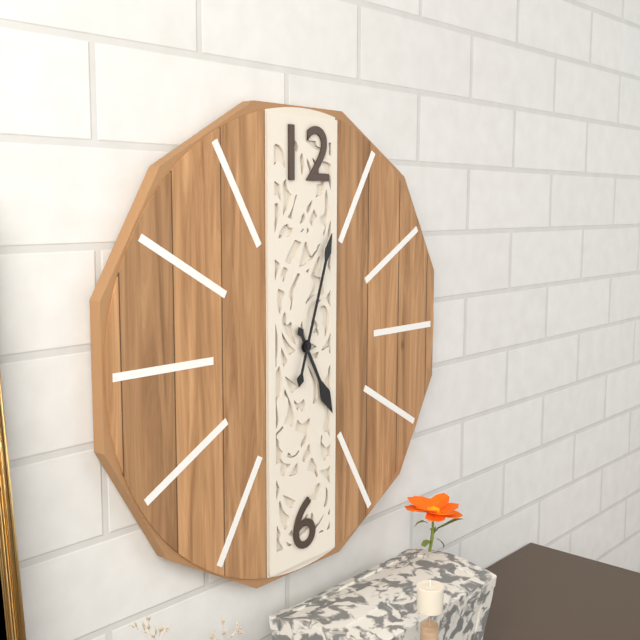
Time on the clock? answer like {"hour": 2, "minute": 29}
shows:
{"hour": 5, "minute": 3}
